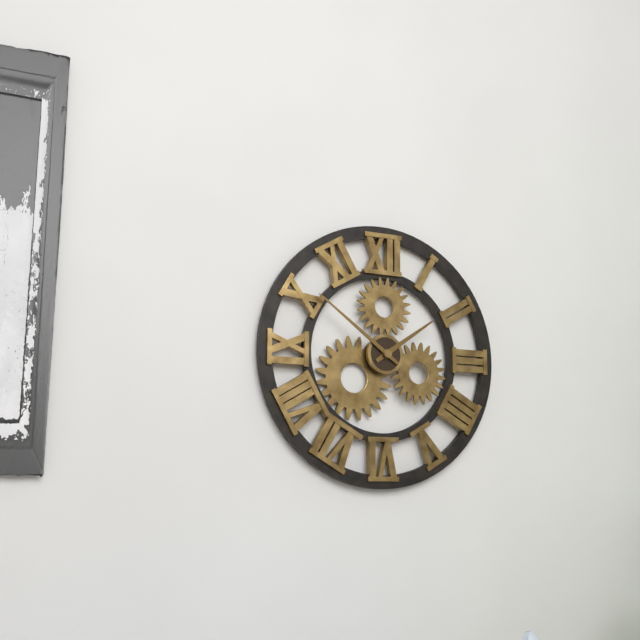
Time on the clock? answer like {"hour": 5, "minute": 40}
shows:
{"hour": 1, "minute": 51}
